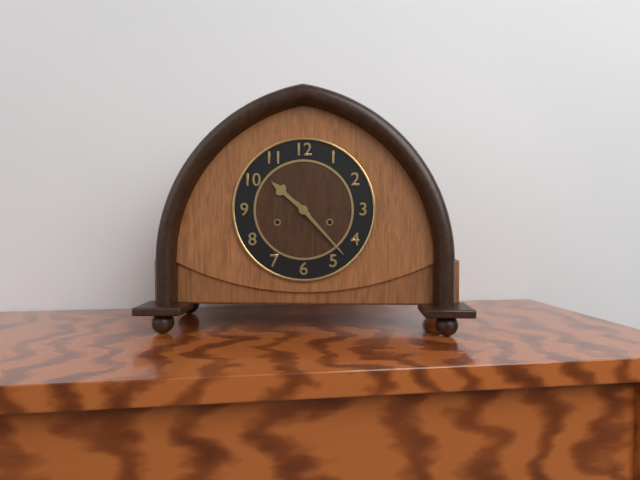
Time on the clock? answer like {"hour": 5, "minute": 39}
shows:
{"hour": 10, "minute": 23}
